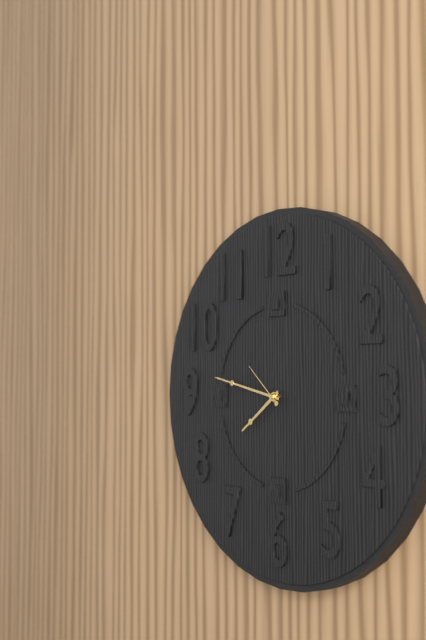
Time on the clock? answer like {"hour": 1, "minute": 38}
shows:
{"hour": 7, "minute": 47}
